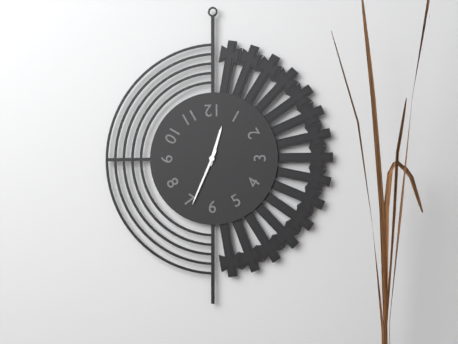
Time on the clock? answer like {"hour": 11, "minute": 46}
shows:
{"hour": 12, "minute": 34}
